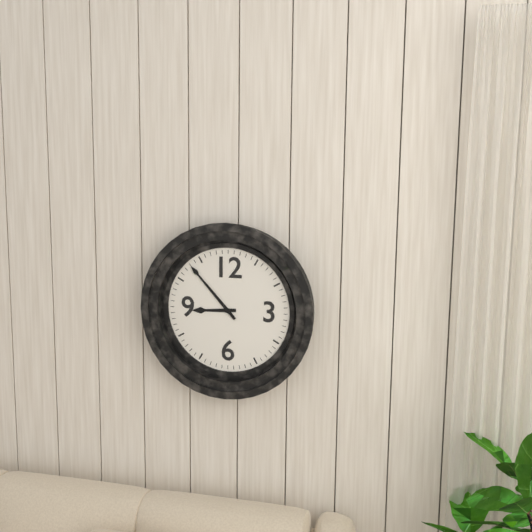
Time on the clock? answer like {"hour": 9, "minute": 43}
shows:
{"hour": 8, "minute": 53}
